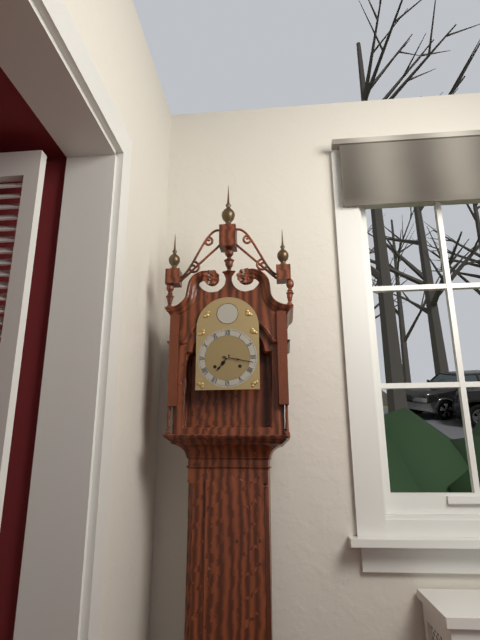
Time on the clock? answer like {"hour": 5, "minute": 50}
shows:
{"hour": 7, "minute": 17}
